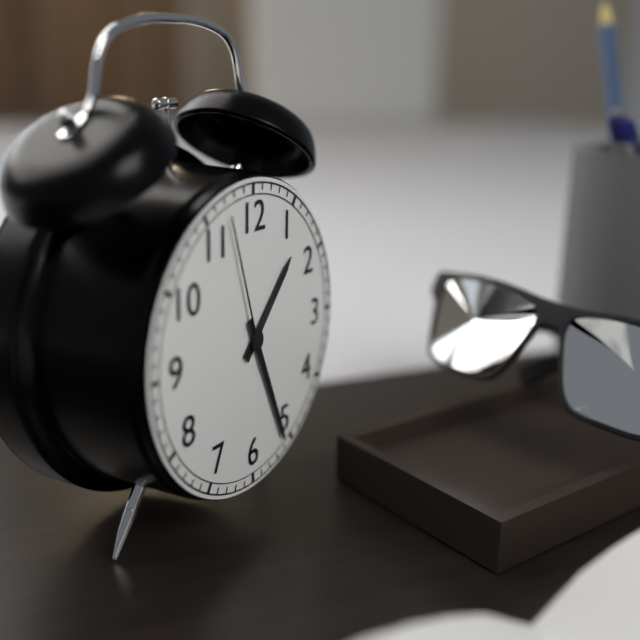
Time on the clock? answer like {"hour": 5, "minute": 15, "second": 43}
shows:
{"hour": 1, "minute": 26, "second": 57}
